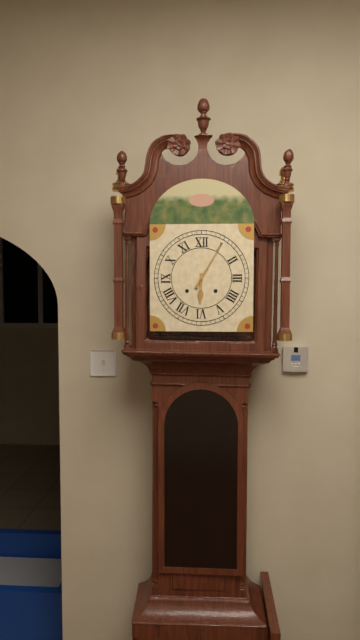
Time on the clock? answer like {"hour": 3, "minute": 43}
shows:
{"hour": 6, "minute": 5}
